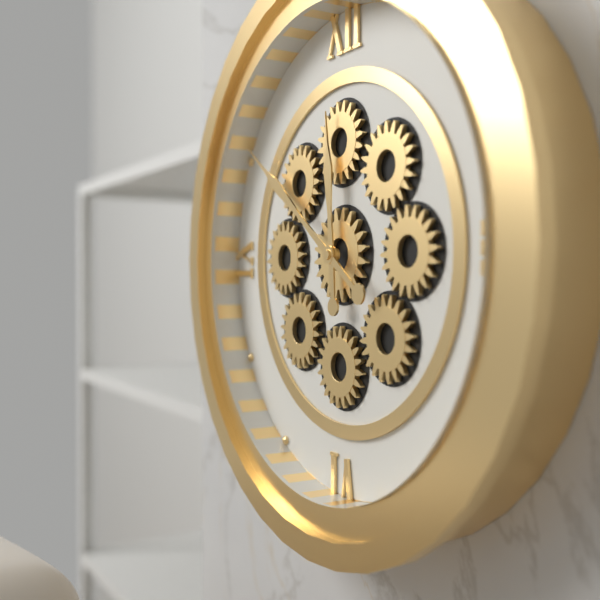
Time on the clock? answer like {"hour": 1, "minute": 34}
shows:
{"hour": 11, "minute": 51}
